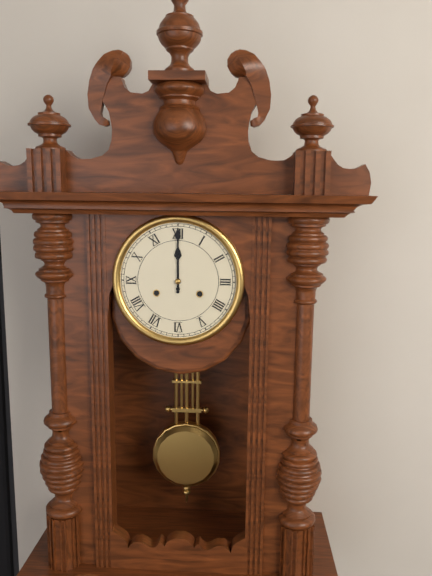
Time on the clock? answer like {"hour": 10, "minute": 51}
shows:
{"hour": 12, "minute": 0}
